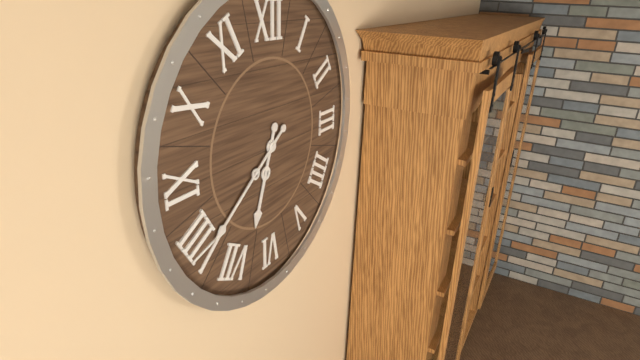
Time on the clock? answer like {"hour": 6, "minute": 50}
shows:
{"hour": 6, "minute": 39}
